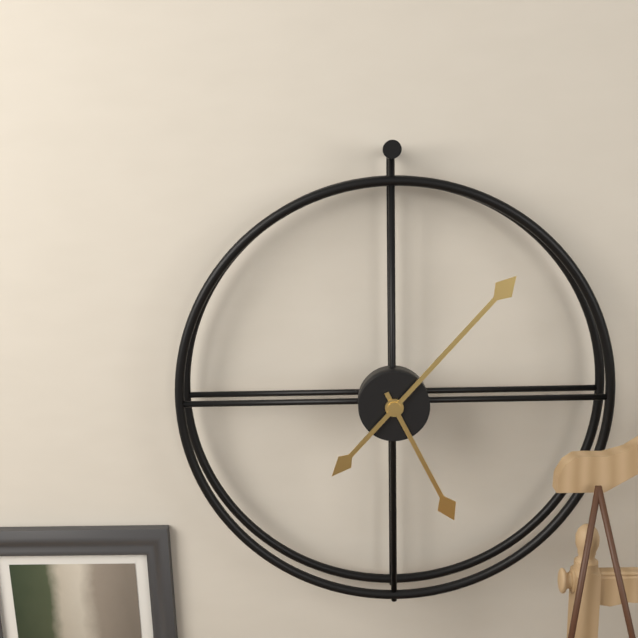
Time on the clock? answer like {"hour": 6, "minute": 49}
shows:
{"hour": 5, "minute": 7}
